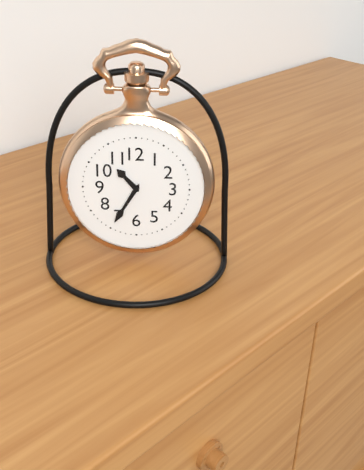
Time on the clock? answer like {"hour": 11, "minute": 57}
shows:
{"hour": 10, "minute": 35}
